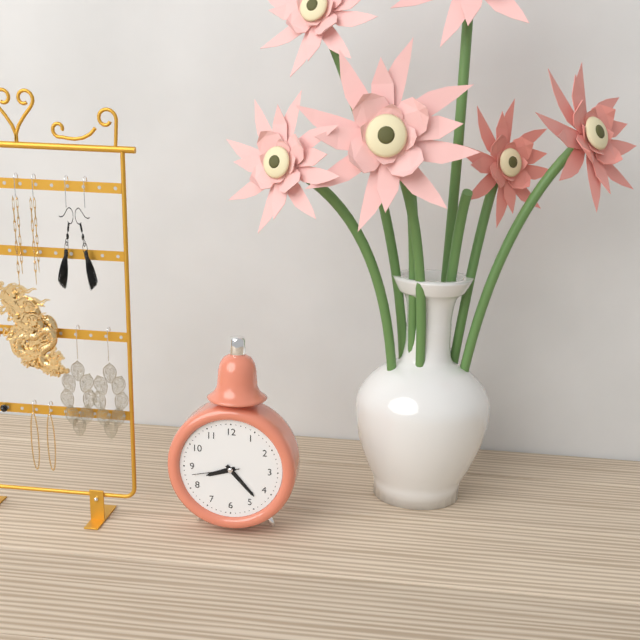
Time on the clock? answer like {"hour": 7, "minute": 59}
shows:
{"hour": 8, "minute": 23}
